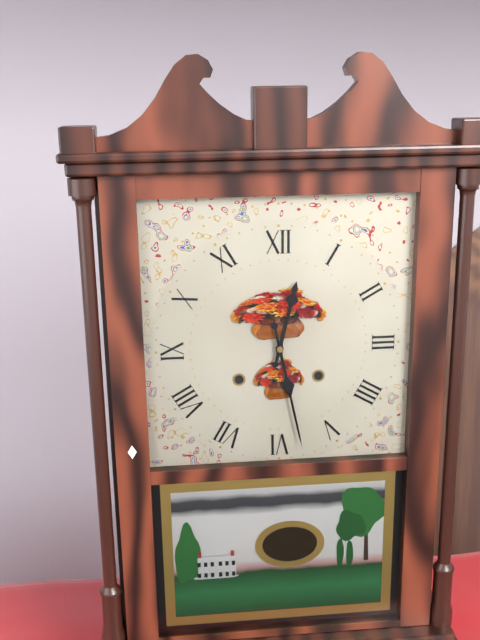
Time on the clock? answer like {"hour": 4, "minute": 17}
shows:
{"hour": 12, "minute": 28}
